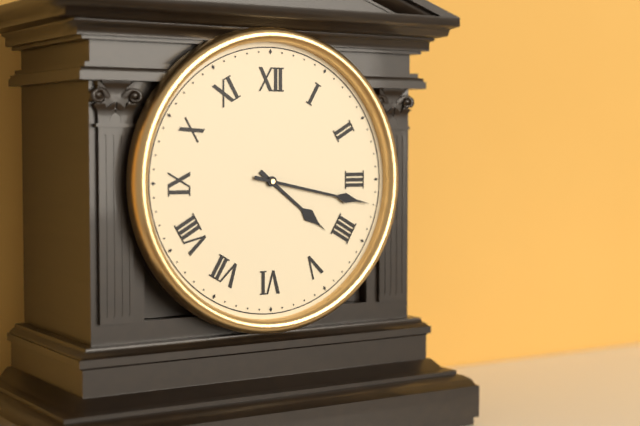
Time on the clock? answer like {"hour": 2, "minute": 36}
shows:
{"hour": 4, "minute": 17}
